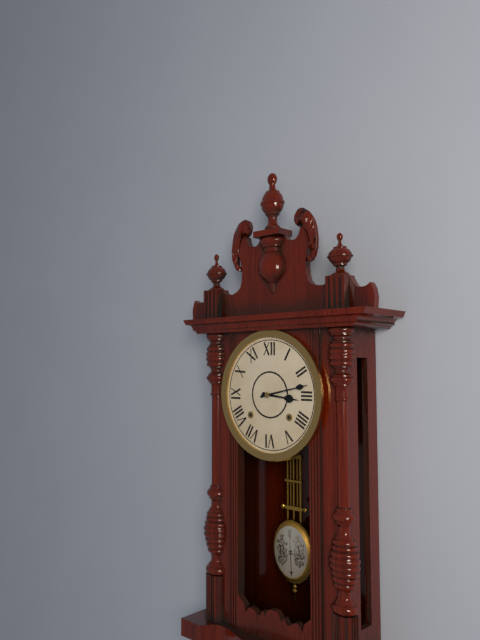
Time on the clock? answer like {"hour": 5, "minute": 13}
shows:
{"hour": 3, "minute": 13}
